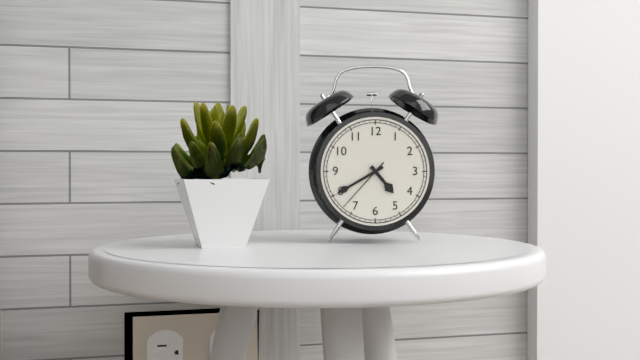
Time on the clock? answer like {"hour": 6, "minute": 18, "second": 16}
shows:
{"hour": 4, "minute": 40, "second": 37}
